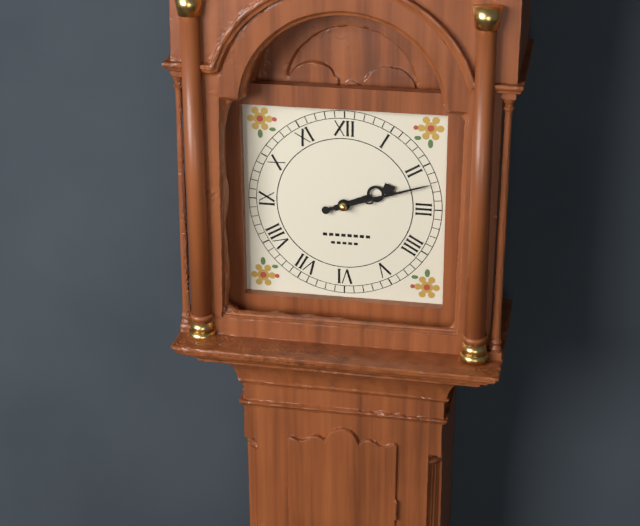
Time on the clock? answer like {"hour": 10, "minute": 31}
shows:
{"hour": 2, "minute": 12}
